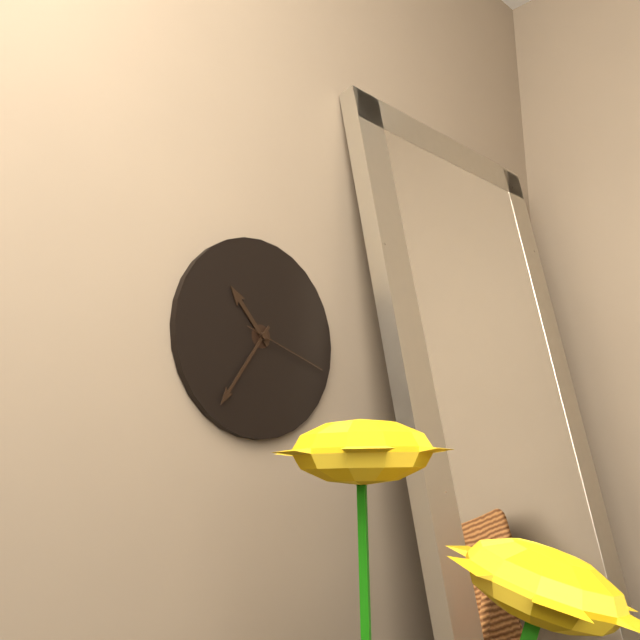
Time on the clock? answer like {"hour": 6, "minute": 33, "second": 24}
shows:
{"hour": 10, "minute": 36, "second": 18}
